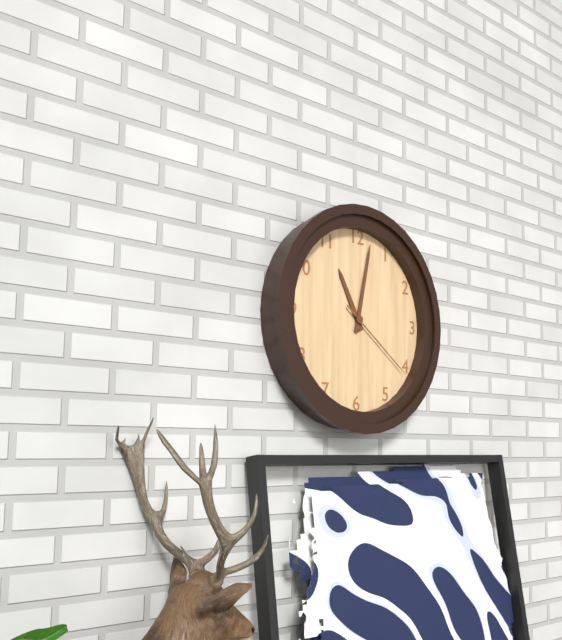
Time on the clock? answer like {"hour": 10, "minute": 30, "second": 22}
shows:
{"hour": 11, "minute": 2, "second": 21}
